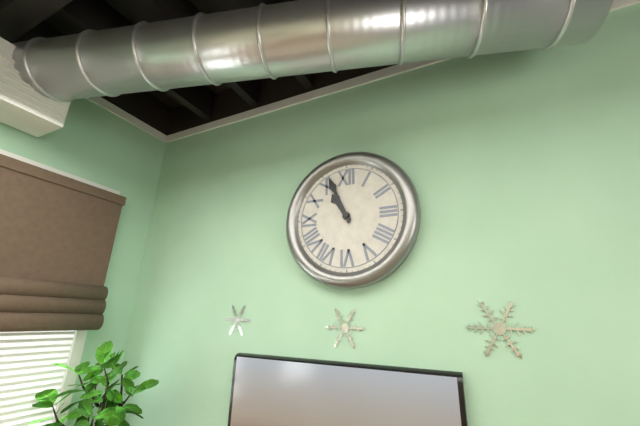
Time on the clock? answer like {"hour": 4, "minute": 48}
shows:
{"hour": 10, "minute": 56}
